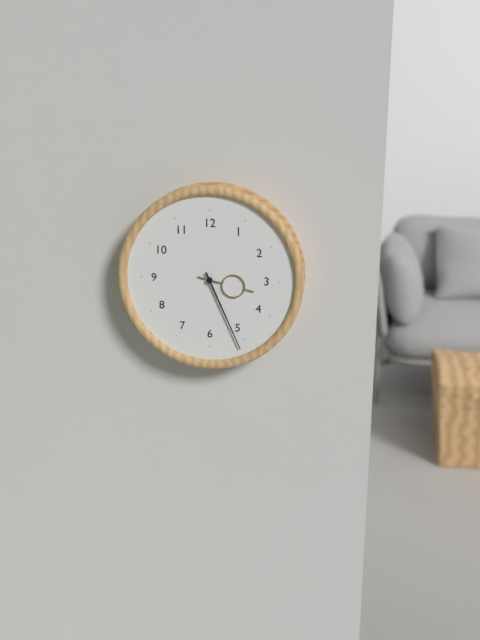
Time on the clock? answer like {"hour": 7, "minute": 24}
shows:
{"hour": 3, "minute": 26}
